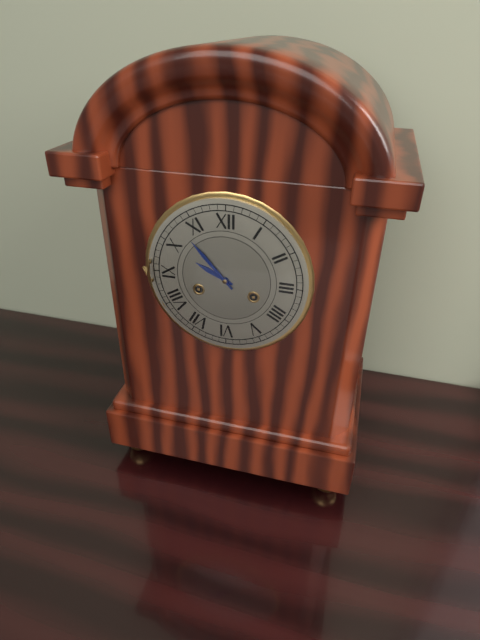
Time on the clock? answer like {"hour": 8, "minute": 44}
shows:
{"hour": 9, "minute": 53}
